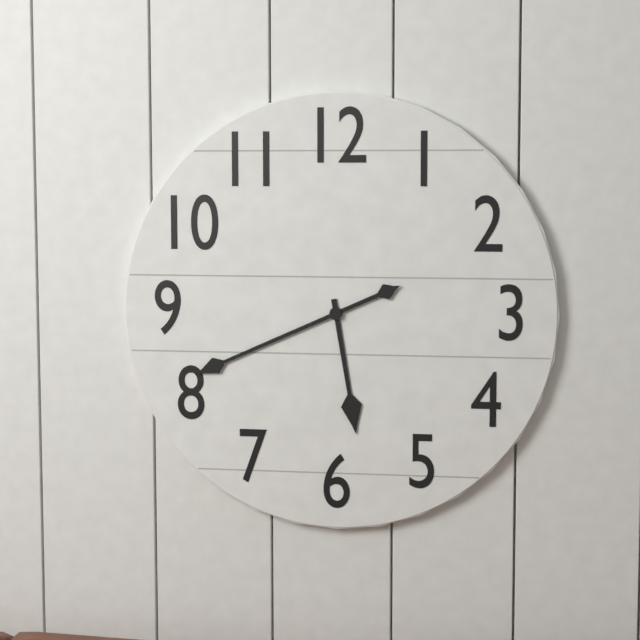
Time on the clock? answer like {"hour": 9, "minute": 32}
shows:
{"hour": 5, "minute": 41}
